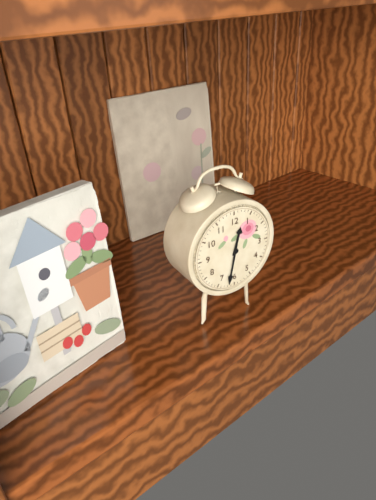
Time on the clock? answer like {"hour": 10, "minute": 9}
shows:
{"hour": 12, "minute": 32}
